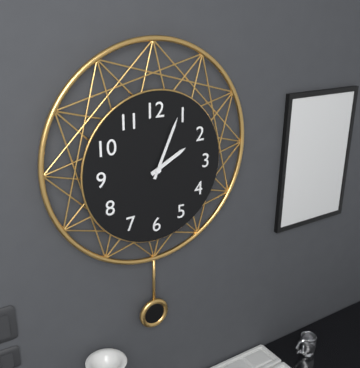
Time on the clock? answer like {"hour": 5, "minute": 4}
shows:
{"hour": 2, "minute": 4}
